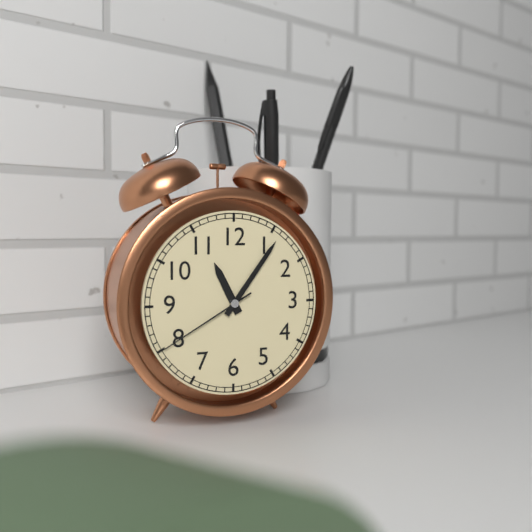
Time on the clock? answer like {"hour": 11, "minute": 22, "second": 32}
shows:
{"hour": 11, "minute": 6, "second": 40}
